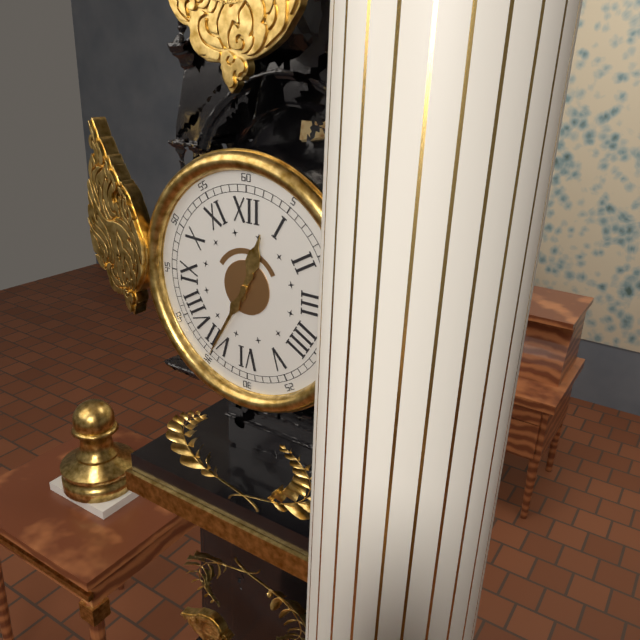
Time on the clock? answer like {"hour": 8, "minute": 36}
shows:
{"hour": 12, "minute": 35}
